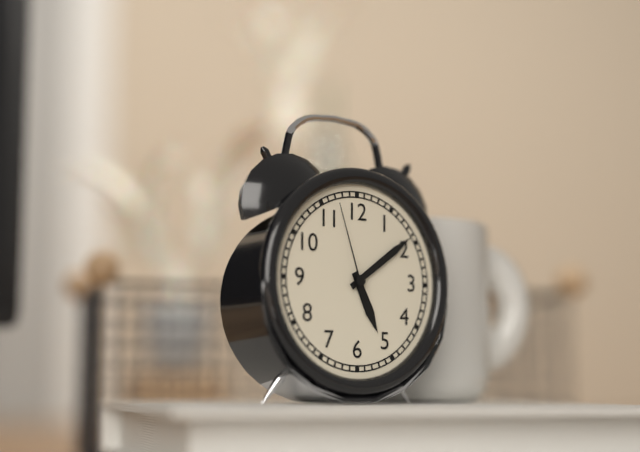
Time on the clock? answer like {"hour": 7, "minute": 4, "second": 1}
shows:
{"hour": 5, "minute": 9, "second": 57}
